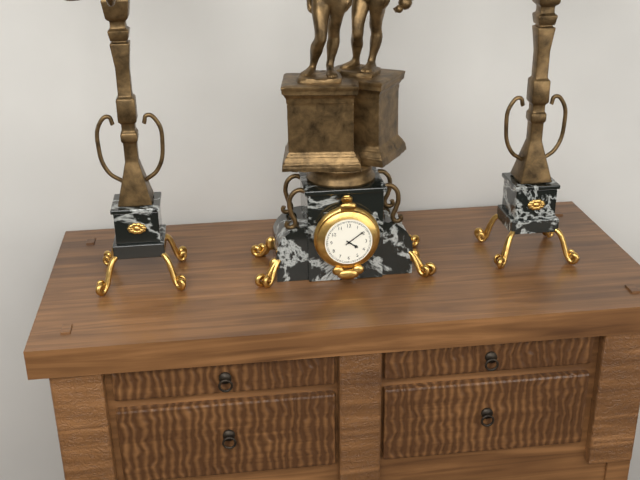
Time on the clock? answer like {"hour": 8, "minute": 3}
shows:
{"hour": 4, "minute": 9}
